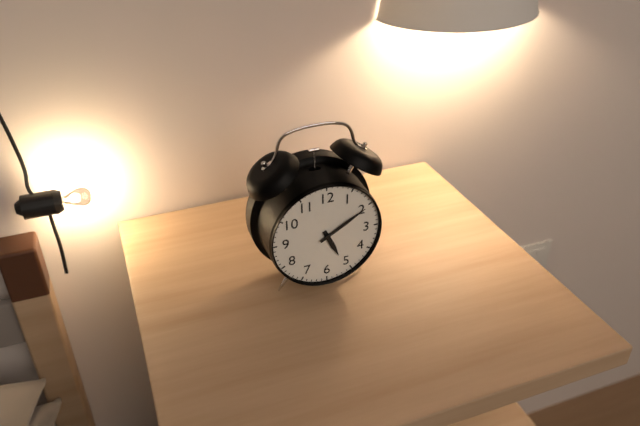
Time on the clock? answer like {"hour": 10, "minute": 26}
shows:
{"hour": 5, "minute": 10}
